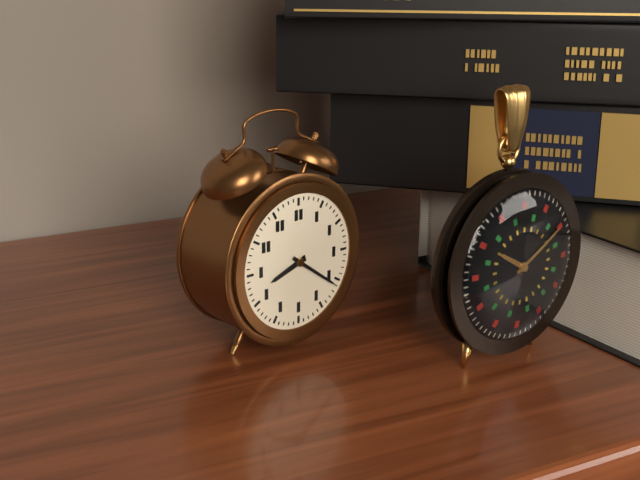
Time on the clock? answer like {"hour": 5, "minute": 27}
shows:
{"hour": 8, "minute": 21}
